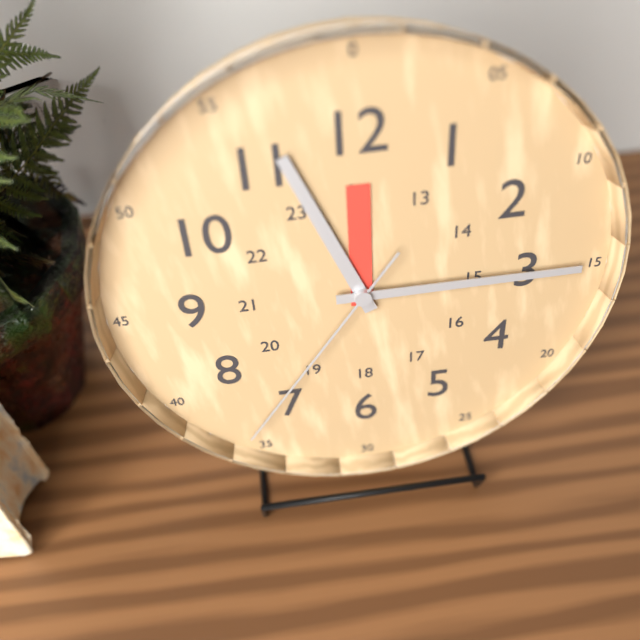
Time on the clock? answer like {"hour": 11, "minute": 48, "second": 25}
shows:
{"hour": 11, "minute": 15, "second": 36}
